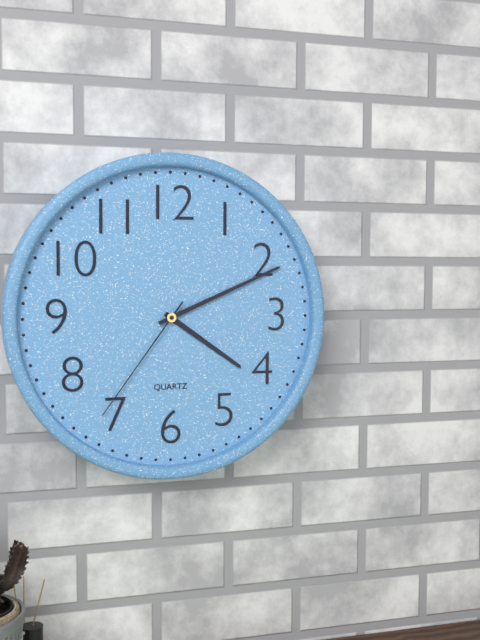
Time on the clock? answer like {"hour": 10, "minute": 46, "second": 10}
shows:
{"hour": 4, "minute": 11, "second": 36}
